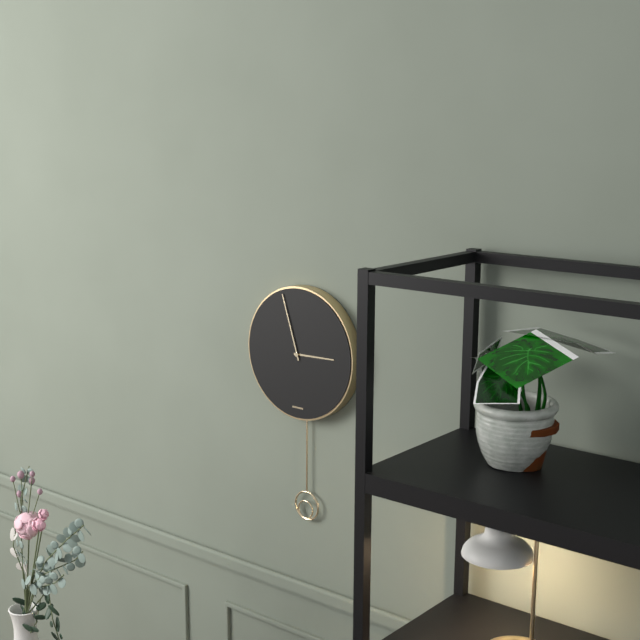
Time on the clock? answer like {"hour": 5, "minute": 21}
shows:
{"hour": 2, "minute": 57}
